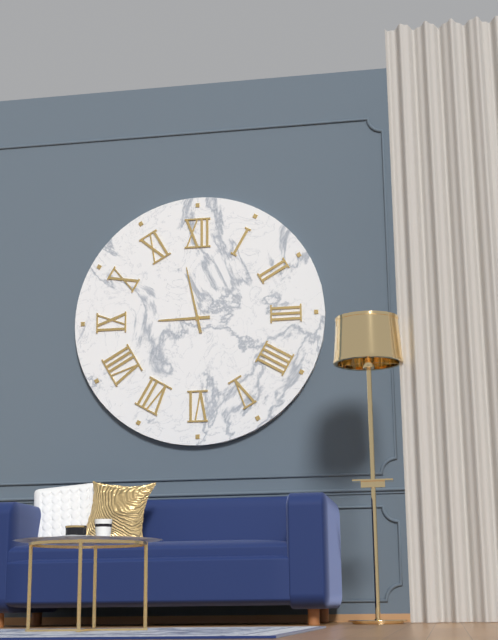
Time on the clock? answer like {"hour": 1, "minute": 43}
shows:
{"hour": 8, "minute": 58}
